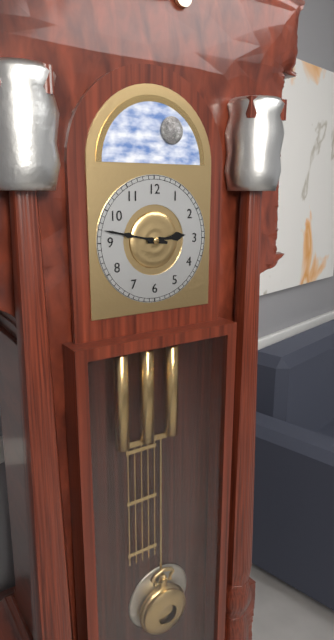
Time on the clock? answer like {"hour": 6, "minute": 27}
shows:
{"hour": 2, "minute": 47}
